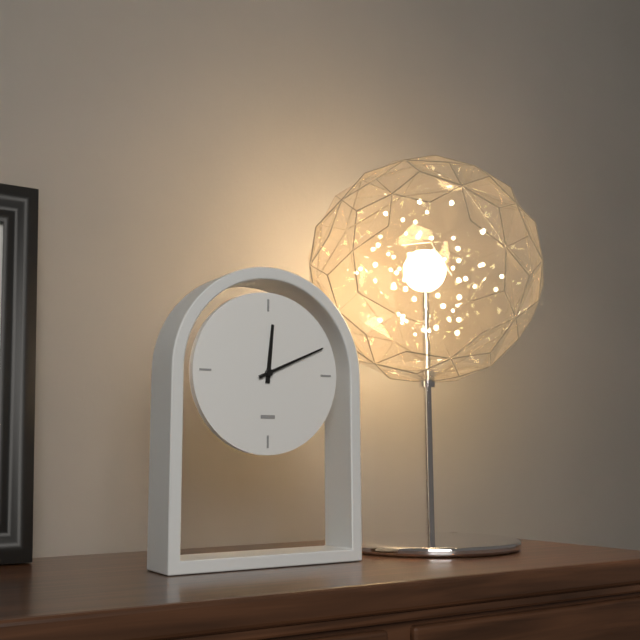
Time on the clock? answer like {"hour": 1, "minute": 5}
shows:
{"hour": 12, "minute": 11}
